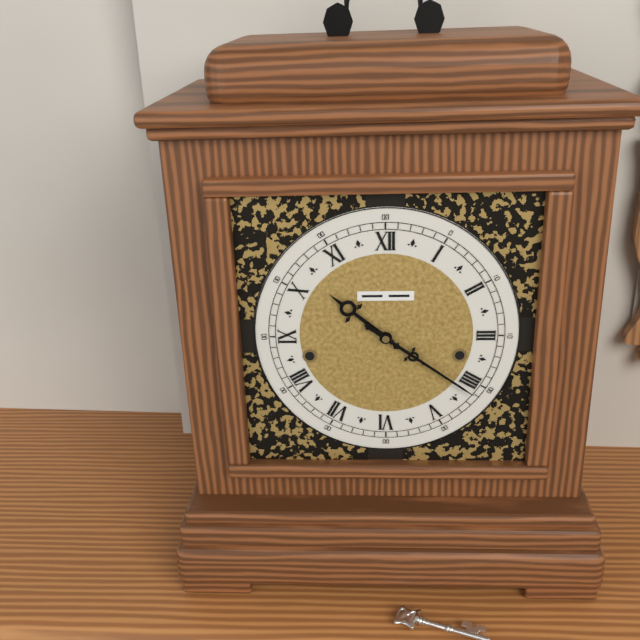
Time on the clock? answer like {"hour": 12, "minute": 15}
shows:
{"hour": 10, "minute": 21}
